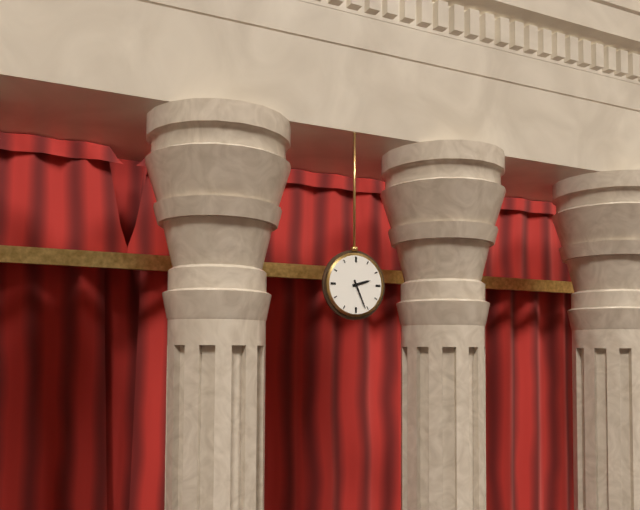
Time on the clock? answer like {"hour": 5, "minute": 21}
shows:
{"hour": 2, "minute": 26}
